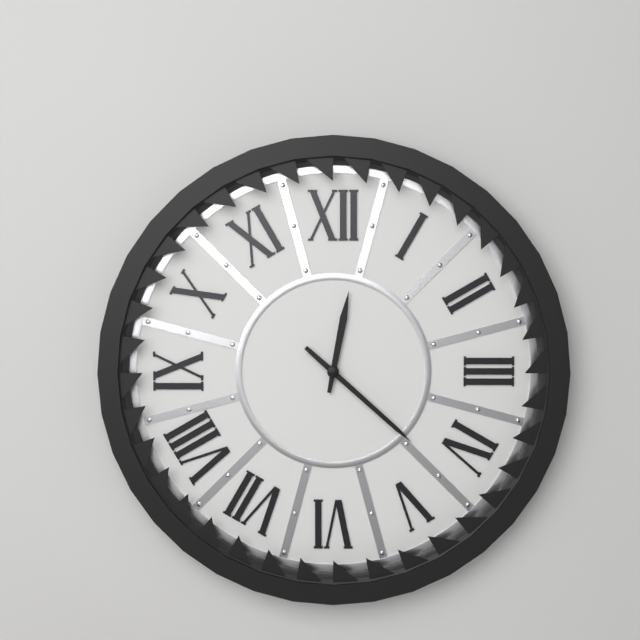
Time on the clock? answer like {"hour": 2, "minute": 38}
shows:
{"hour": 12, "minute": 22}
